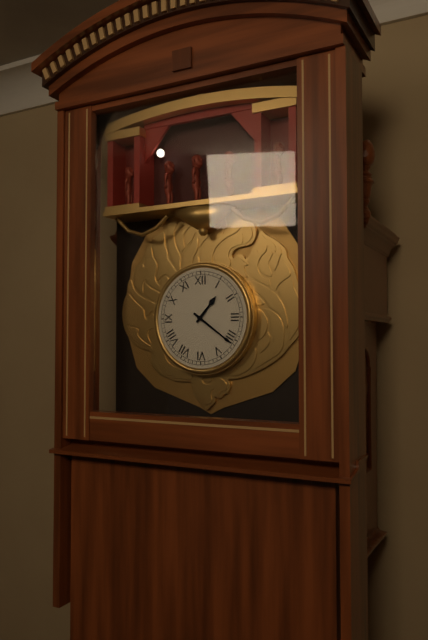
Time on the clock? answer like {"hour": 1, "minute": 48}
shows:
{"hour": 1, "minute": 21}
